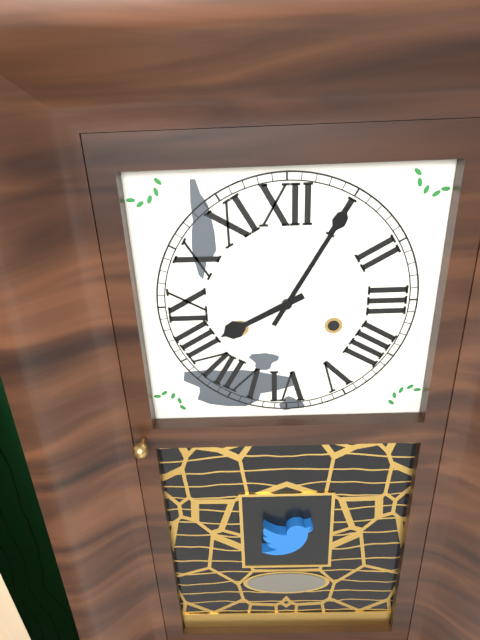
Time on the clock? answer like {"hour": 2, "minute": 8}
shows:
{"hour": 8, "minute": 5}
